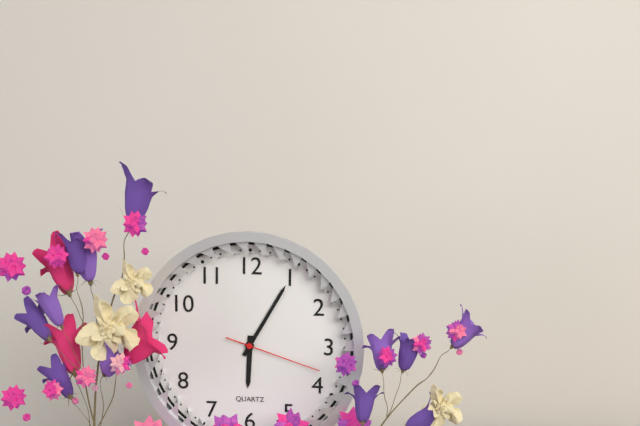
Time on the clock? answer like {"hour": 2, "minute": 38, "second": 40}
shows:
{"hour": 6, "minute": 5, "second": 18}
